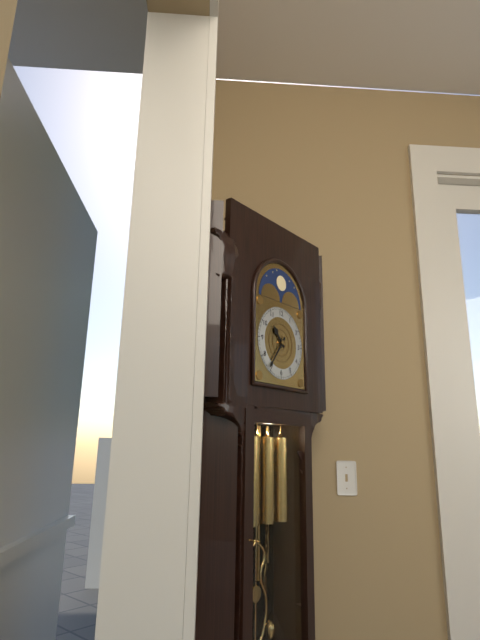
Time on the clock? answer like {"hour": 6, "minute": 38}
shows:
{"hour": 10, "minute": 36}
